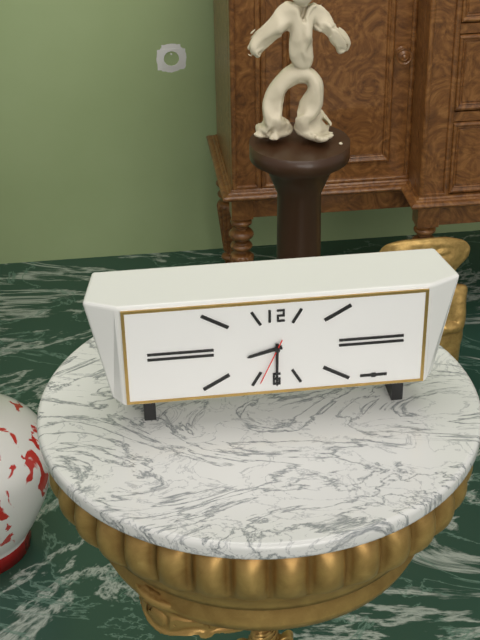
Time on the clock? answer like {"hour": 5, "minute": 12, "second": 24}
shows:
{"hour": 8, "minute": 30, "second": 34}
